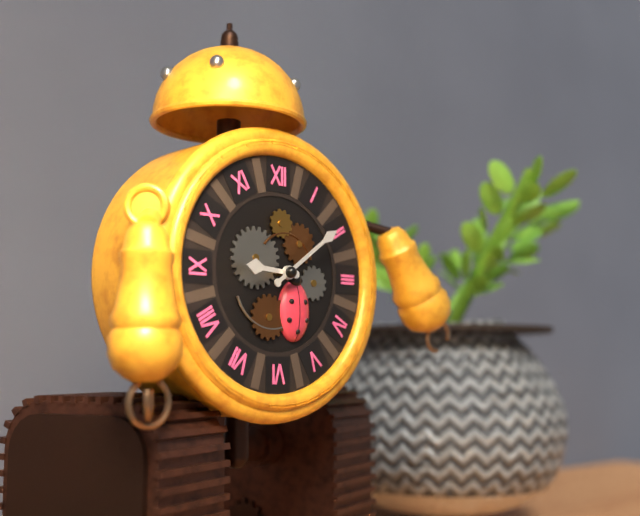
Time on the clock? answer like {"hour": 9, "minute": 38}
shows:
{"hour": 9, "minute": 9}
